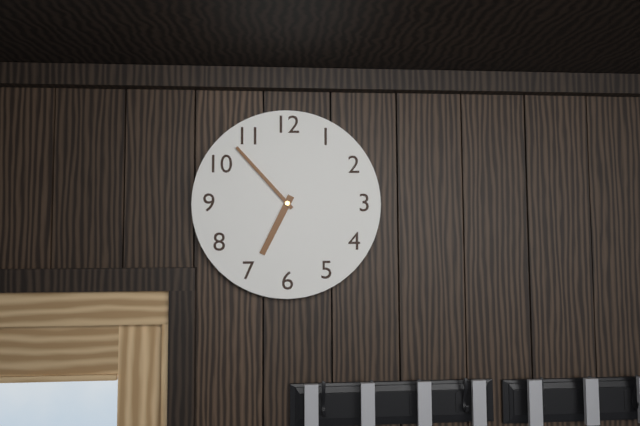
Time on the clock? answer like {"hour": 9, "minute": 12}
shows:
{"hour": 6, "minute": 53}
